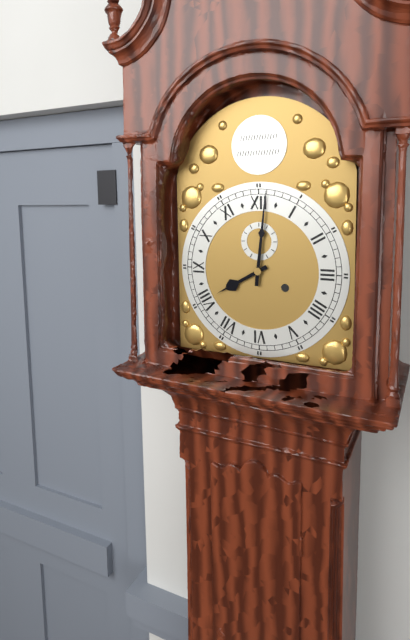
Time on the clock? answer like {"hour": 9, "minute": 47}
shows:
{"hour": 8, "minute": 1}
